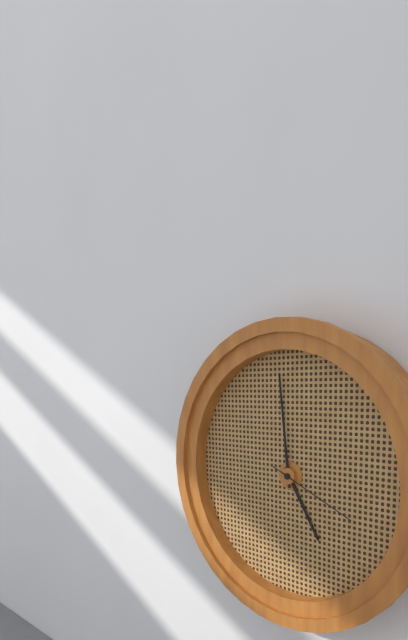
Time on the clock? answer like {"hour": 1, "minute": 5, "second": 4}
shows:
{"hour": 4, "minute": 59, "second": 19}
